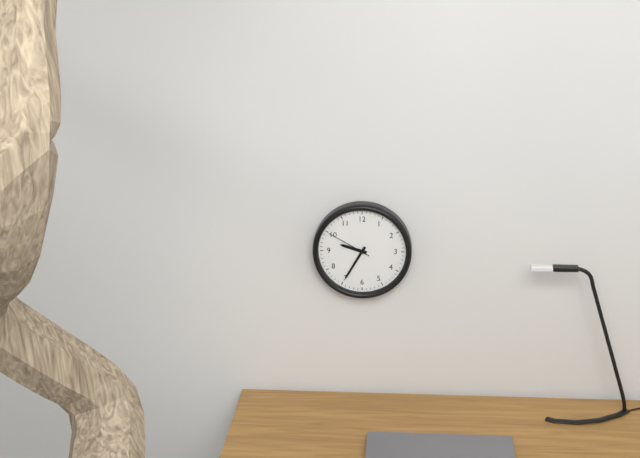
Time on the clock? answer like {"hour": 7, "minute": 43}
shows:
{"hour": 9, "minute": 35}
